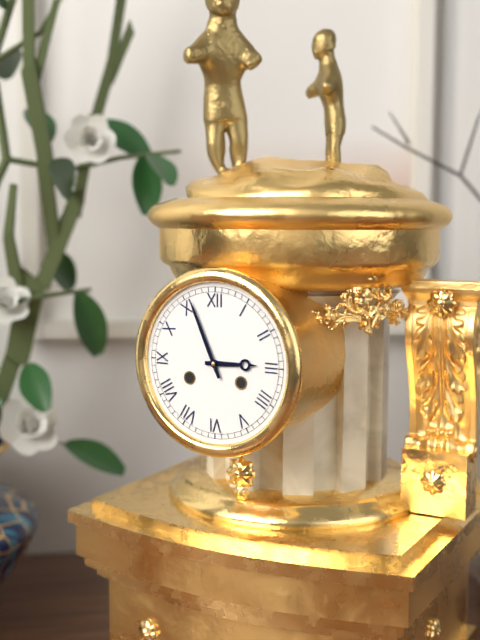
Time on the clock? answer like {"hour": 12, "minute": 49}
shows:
{"hour": 2, "minute": 56}
